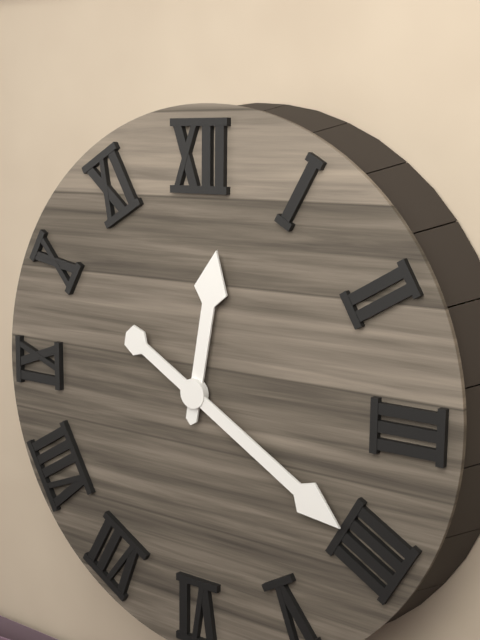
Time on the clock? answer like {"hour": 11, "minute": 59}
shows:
{"hour": 12, "minute": 20}
